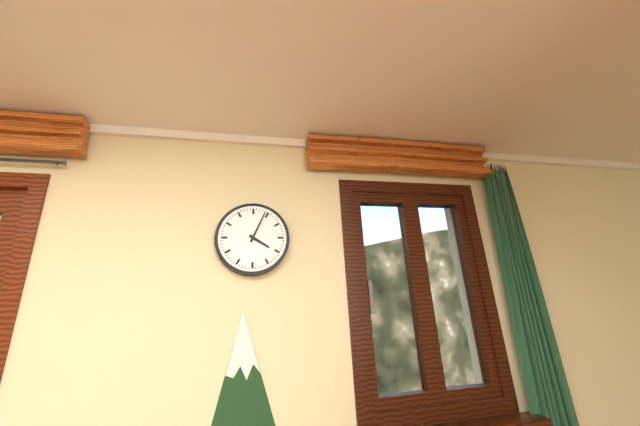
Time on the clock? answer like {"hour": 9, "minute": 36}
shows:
{"hour": 4, "minute": 4}
